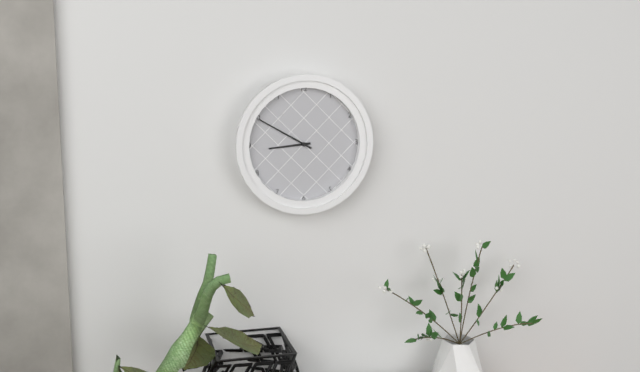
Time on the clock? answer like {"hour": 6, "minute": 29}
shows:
{"hour": 8, "minute": 50}
